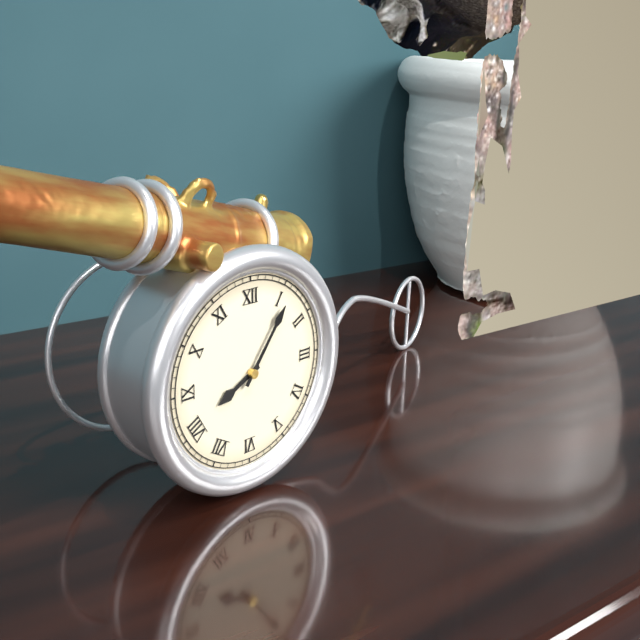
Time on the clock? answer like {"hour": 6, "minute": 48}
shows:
{"hour": 8, "minute": 6}
